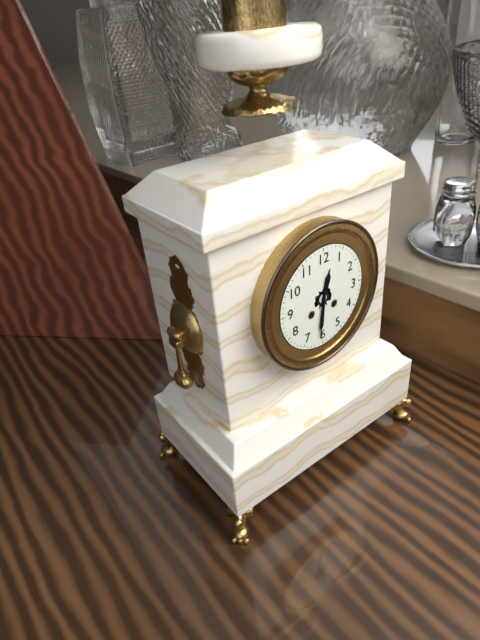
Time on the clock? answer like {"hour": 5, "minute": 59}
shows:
{"hour": 12, "minute": 31}
